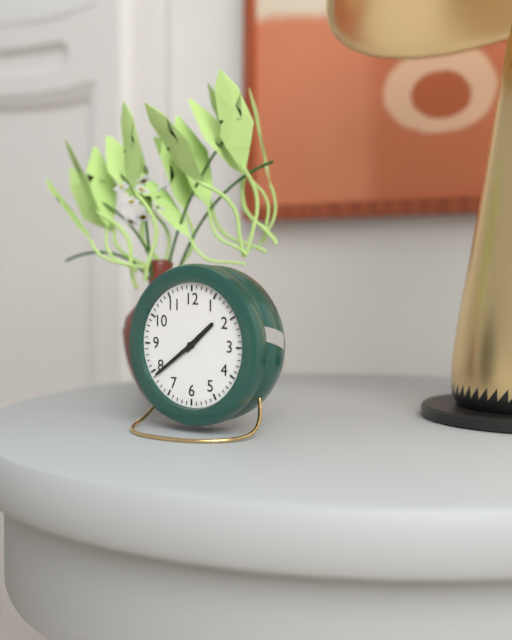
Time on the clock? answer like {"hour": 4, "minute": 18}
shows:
{"hour": 1, "minute": 39}
